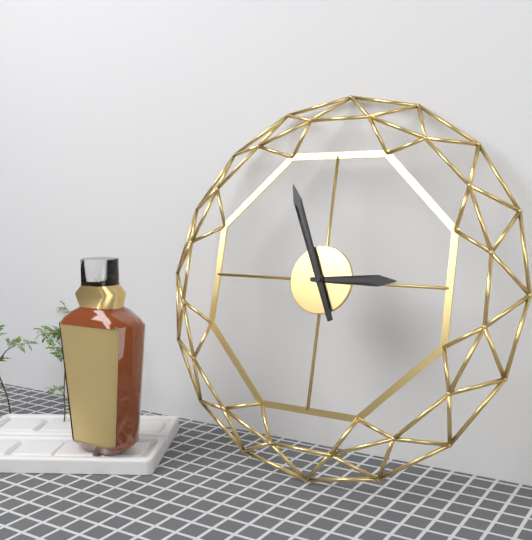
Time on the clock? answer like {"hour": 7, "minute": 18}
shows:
{"hour": 2, "minute": 56}
